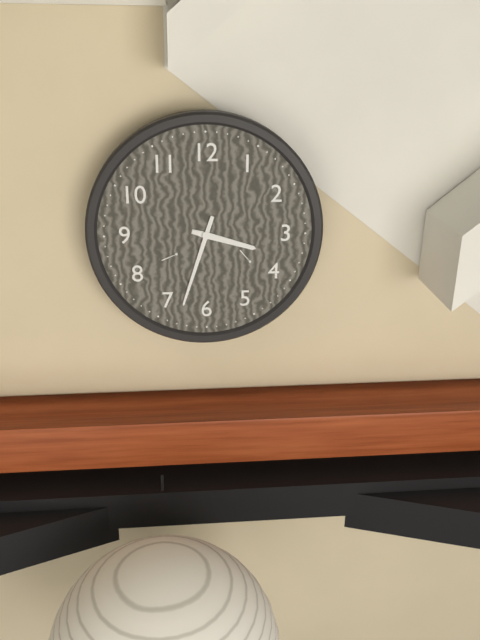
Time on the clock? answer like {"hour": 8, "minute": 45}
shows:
{"hour": 3, "minute": 33}
